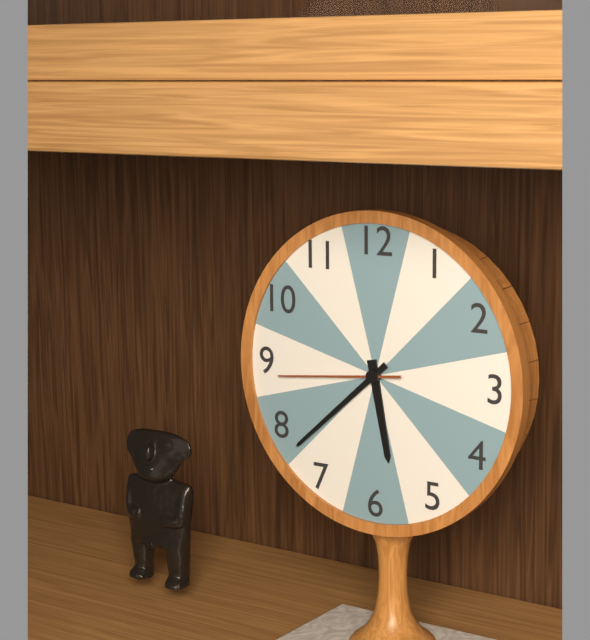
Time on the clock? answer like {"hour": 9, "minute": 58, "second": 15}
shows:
{"hour": 5, "minute": 38, "second": 44}
